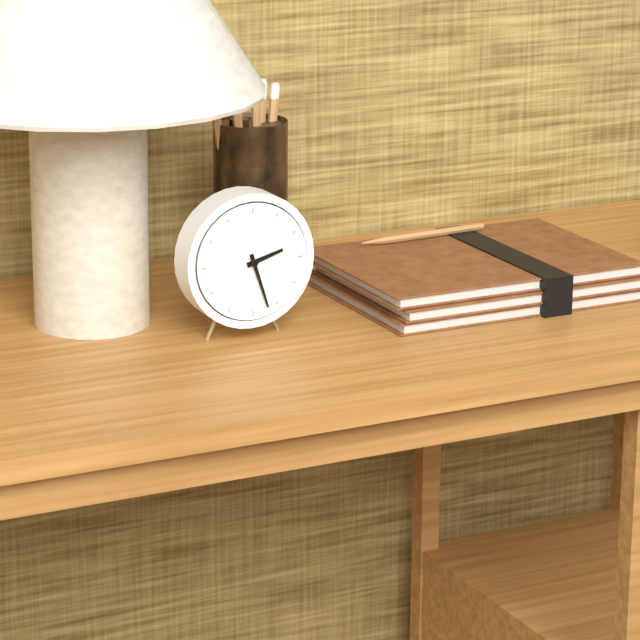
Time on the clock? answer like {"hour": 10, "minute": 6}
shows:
{"hour": 2, "minute": 27}
